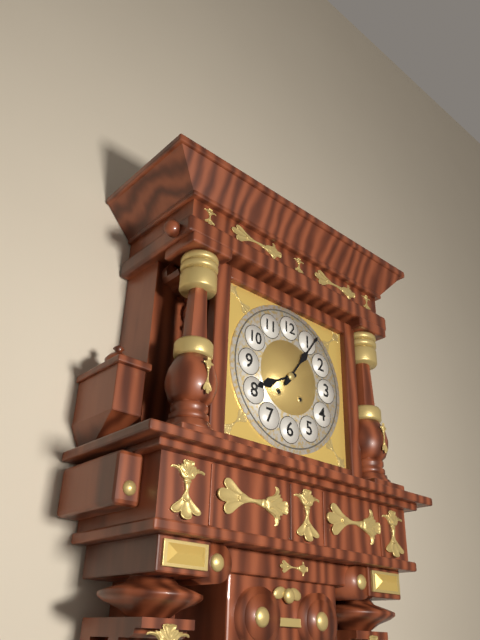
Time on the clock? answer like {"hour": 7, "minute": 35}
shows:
{"hour": 8, "minute": 6}
